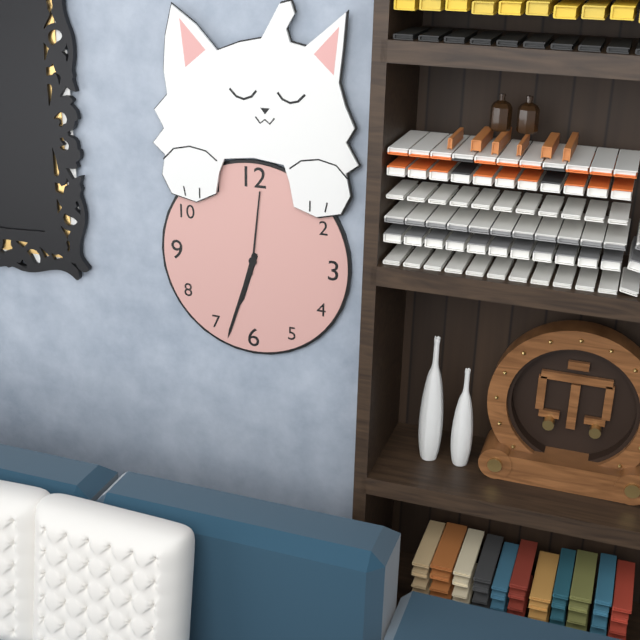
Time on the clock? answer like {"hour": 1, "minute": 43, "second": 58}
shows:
{"hour": 6, "minute": 33, "second": 1}
